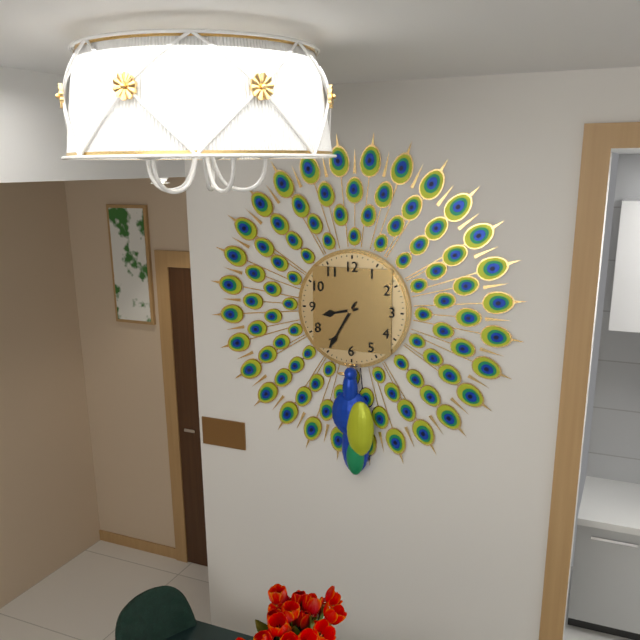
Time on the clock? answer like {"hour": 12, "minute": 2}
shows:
{"hour": 8, "minute": 35}
